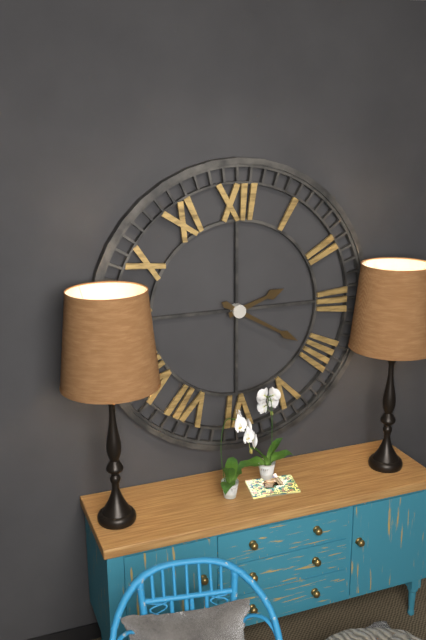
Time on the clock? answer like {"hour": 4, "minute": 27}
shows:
{"hour": 2, "minute": 20}
